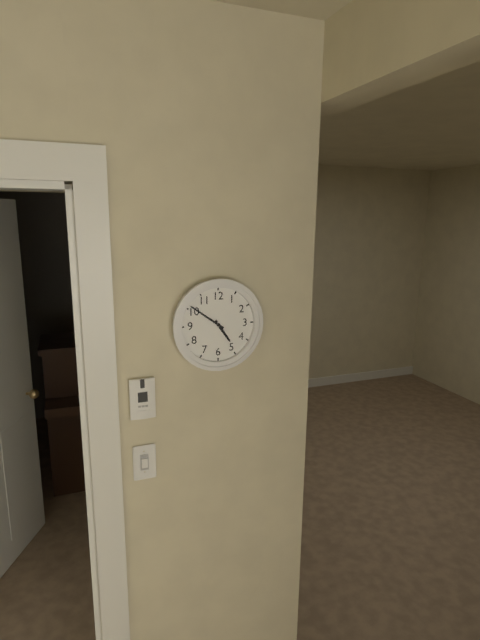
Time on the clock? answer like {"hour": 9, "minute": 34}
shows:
{"hour": 4, "minute": 51}
